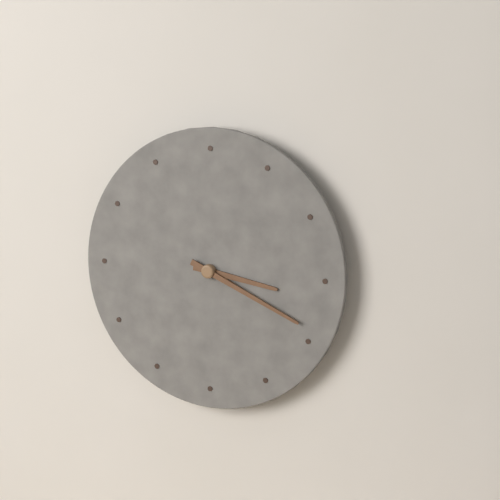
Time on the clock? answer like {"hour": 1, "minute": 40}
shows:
{"hour": 3, "minute": 19}
